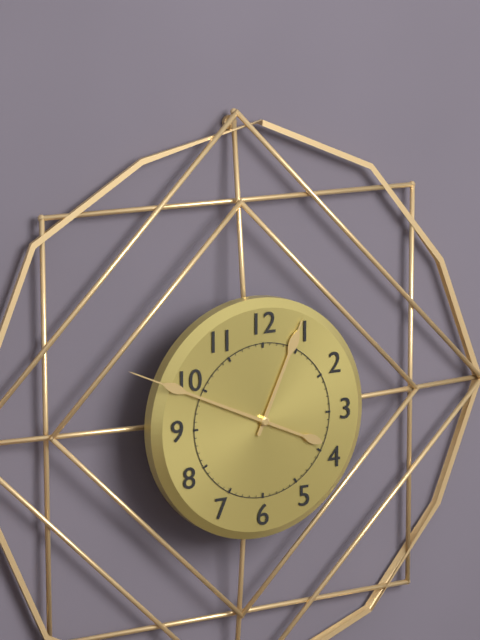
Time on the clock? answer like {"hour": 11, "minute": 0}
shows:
{"hour": 12, "minute": 49}
